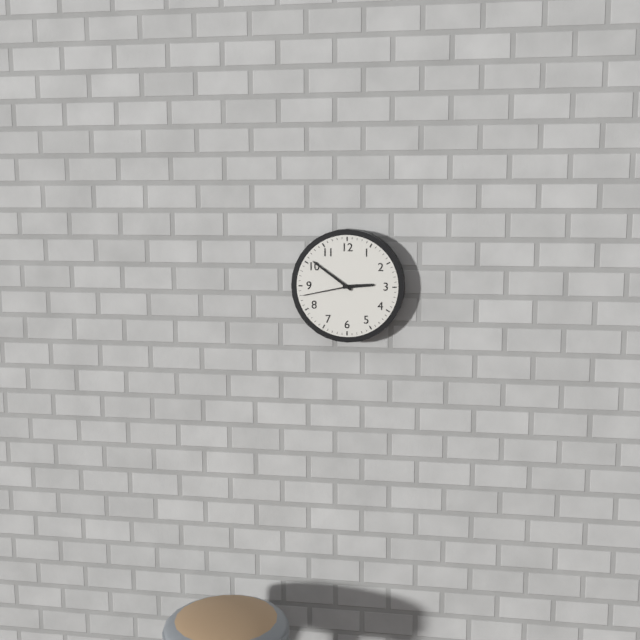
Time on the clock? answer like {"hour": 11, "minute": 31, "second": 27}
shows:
{"hour": 2, "minute": 51, "second": 43}
